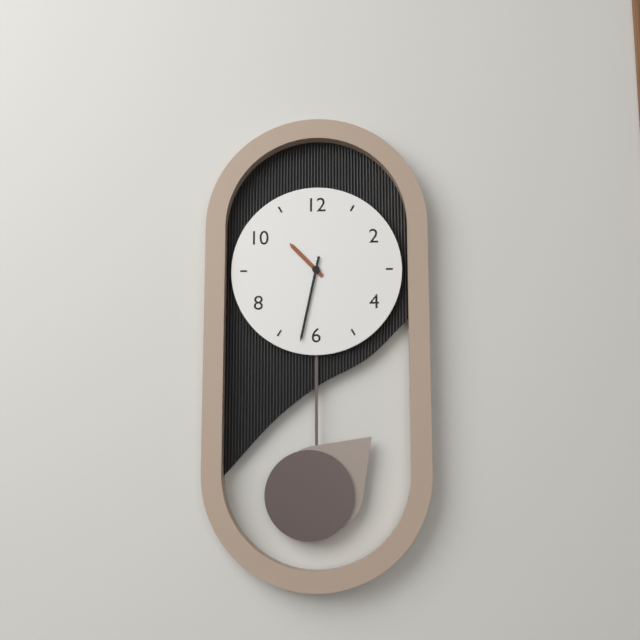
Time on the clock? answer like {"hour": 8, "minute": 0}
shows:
{"hour": 10, "minute": 32}
